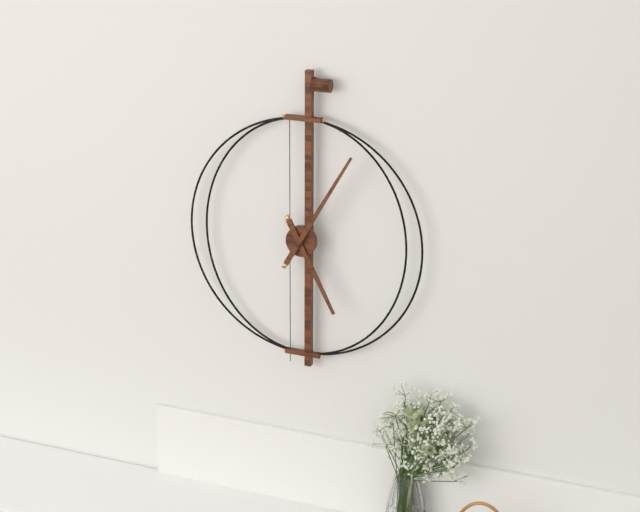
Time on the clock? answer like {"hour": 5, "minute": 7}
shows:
{"hour": 5, "minute": 5}
